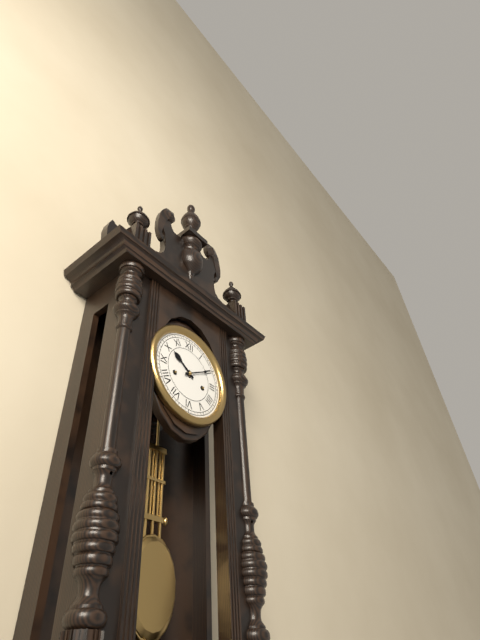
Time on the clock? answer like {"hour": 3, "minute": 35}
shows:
{"hour": 10, "minute": 10}
